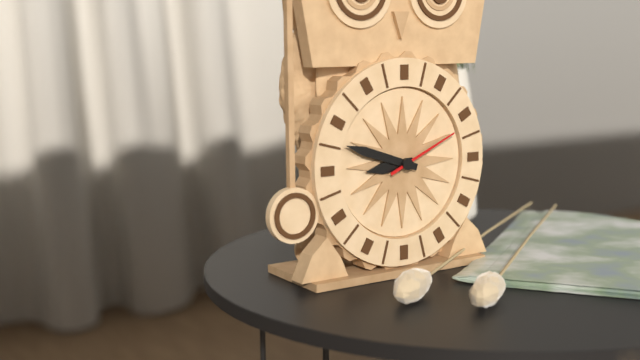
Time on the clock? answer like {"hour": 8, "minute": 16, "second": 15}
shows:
{"hour": 8, "minute": 48, "second": 11}
